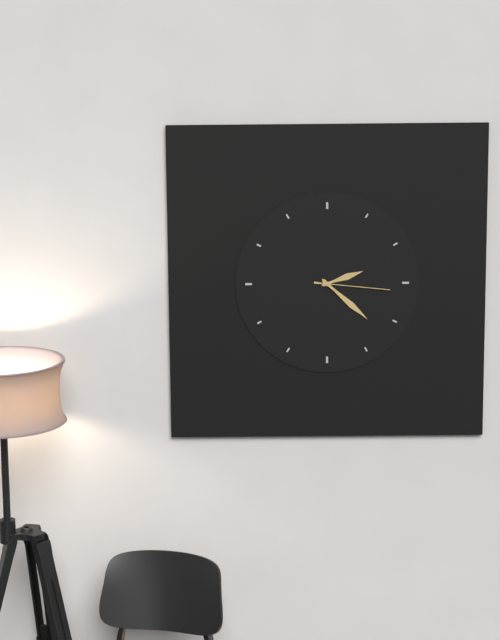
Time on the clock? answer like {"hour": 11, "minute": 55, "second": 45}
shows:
{"hour": 2, "minute": 22, "second": 16}
